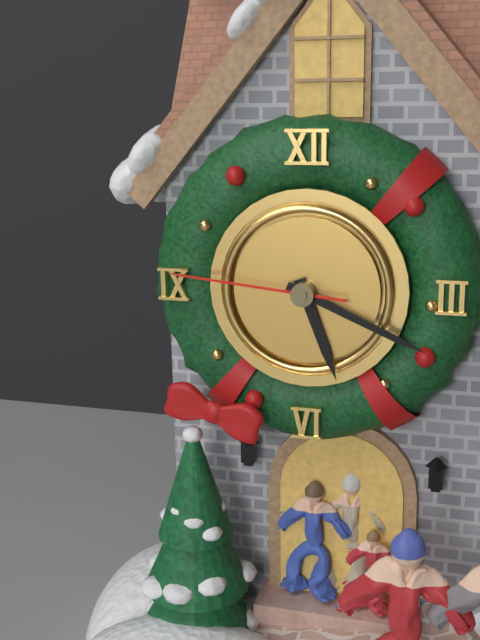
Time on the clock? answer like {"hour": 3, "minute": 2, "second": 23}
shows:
{"hour": 5, "minute": 19, "second": 46}
